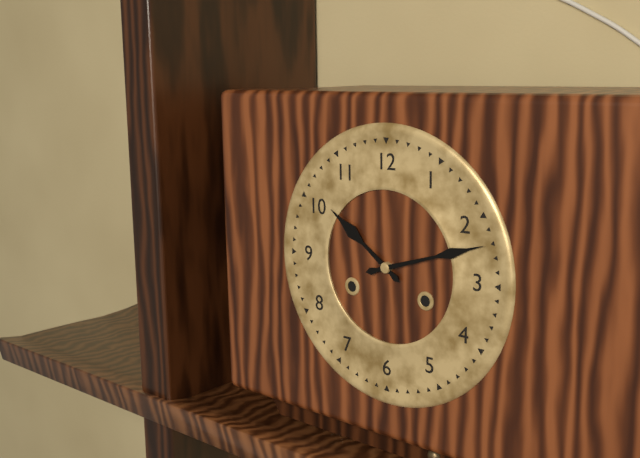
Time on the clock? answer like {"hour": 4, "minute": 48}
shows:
{"hour": 10, "minute": 12}
